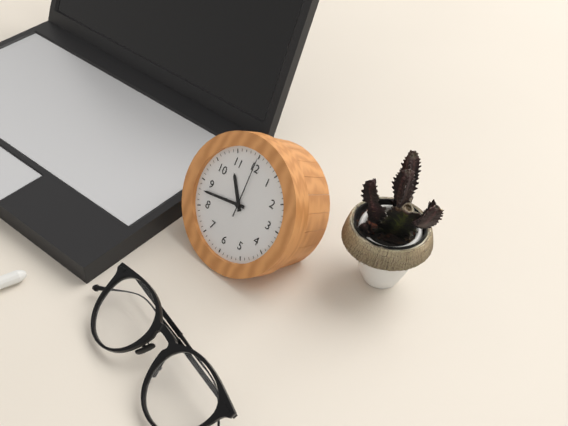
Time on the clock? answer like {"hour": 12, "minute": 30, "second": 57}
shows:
{"hour": 10, "minute": 43, "second": 0}
